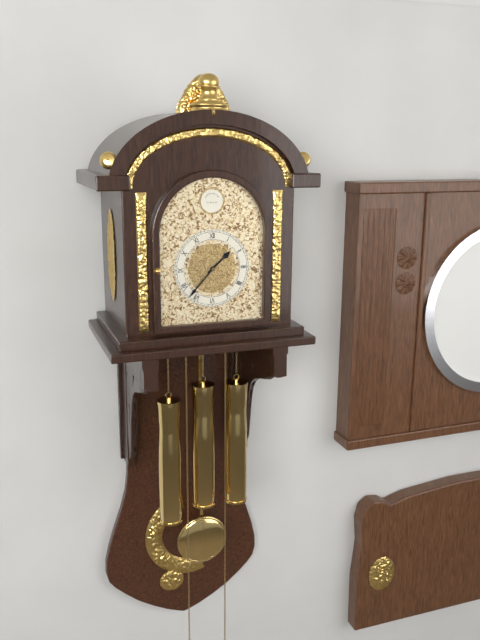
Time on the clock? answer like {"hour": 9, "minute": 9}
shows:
{"hour": 1, "minute": 37}
